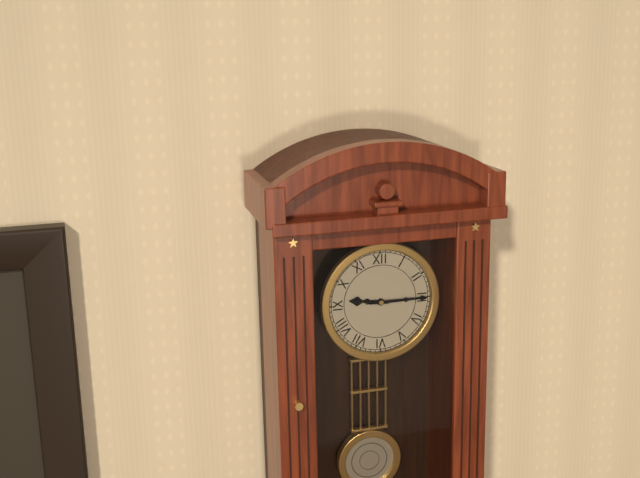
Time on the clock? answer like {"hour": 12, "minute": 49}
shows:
{"hour": 9, "minute": 15}
